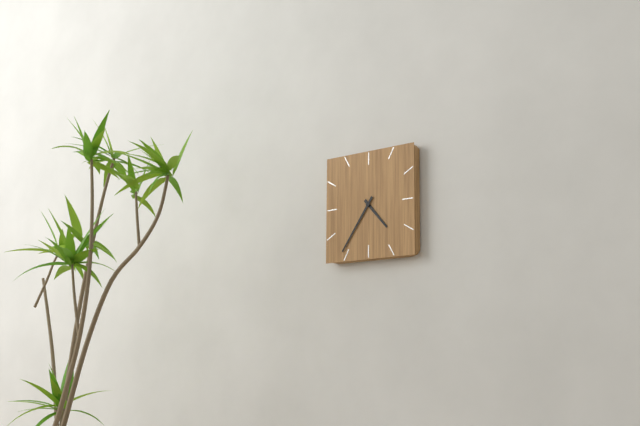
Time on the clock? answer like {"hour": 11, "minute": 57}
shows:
{"hour": 4, "minute": 36}
